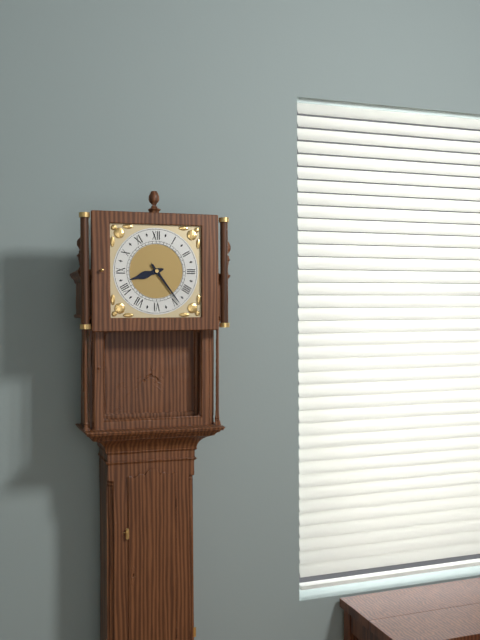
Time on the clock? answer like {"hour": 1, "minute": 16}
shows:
{"hour": 8, "minute": 24}
